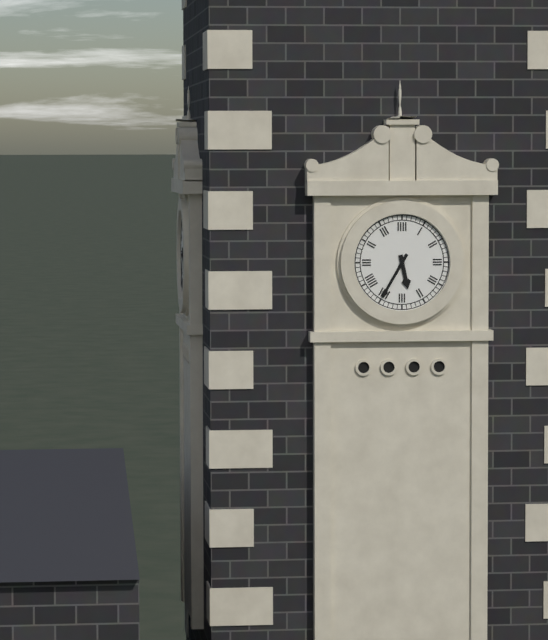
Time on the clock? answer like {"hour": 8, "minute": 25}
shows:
{"hour": 5, "minute": 35}
